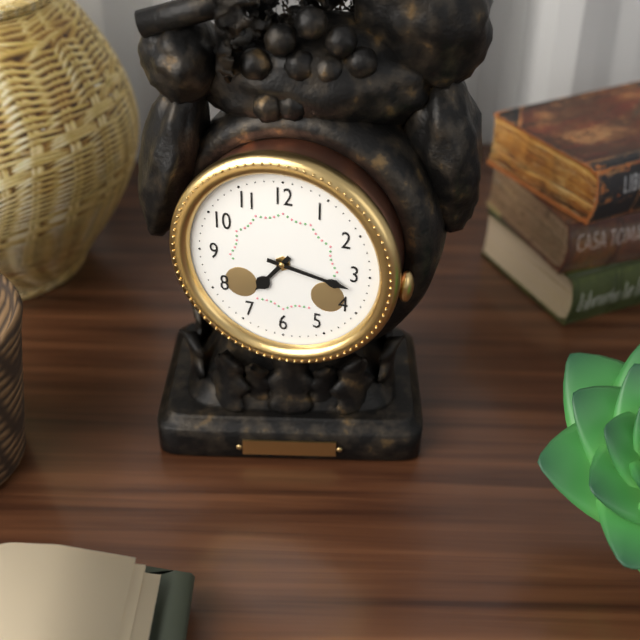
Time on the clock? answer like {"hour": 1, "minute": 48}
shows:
{"hour": 7, "minute": 17}
